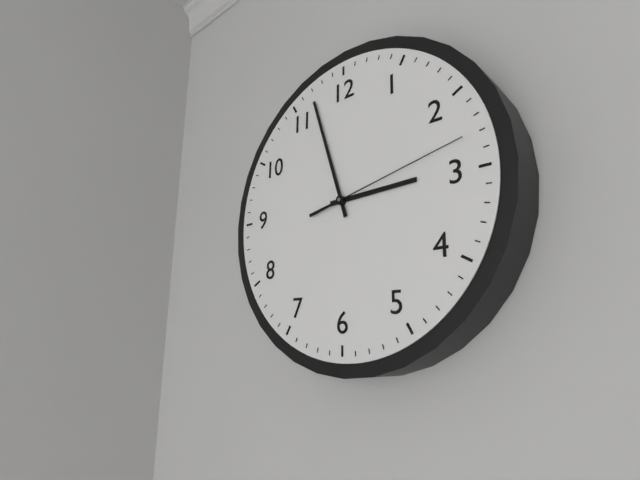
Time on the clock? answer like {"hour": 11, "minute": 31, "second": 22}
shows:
{"hour": 2, "minute": 57, "second": 13}
